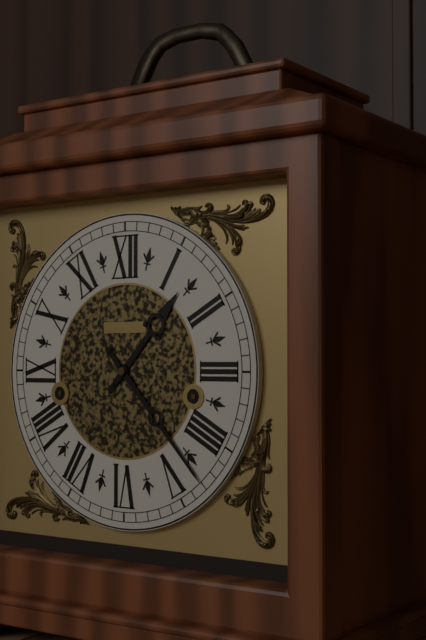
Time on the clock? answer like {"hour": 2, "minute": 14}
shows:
{"hour": 1, "minute": 23}
